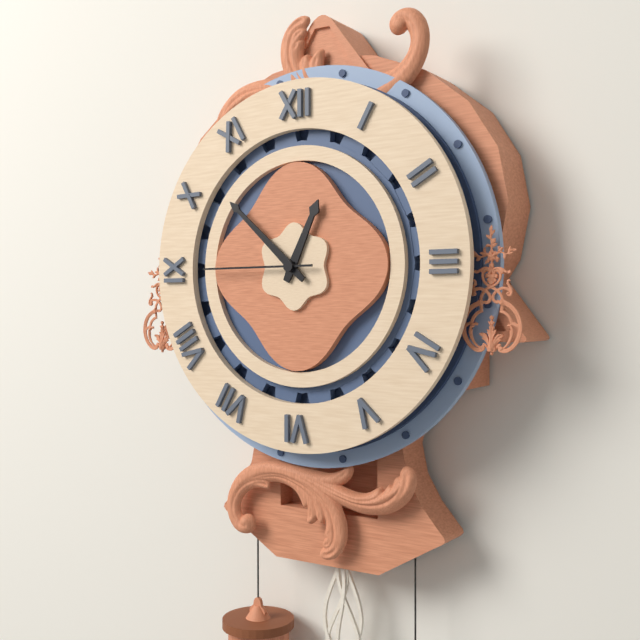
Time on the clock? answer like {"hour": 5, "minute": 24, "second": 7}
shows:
{"hour": 12, "minute": 52, "second": 45}
